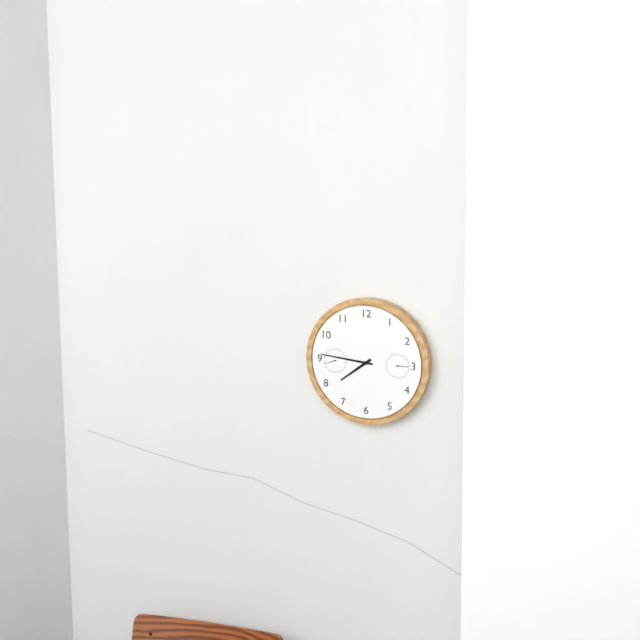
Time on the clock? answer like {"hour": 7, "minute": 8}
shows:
{"hour": 7, "minute": 46}
